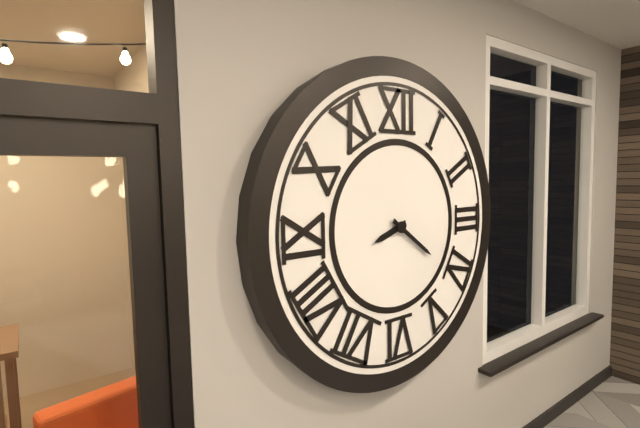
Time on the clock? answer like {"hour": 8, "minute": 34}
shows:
{"hour": 8, "minute": 21}
